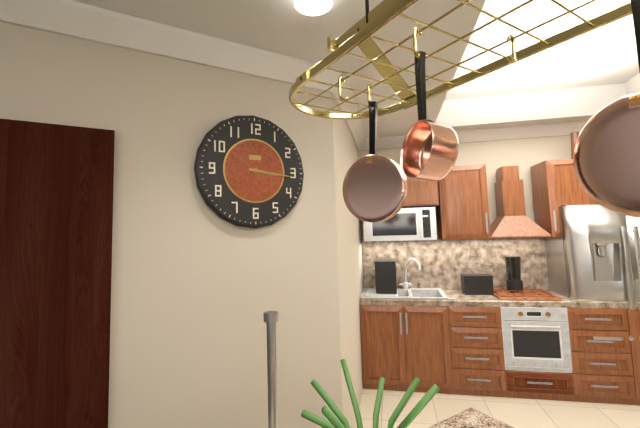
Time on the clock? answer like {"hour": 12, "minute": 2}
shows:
{"hour": 3, "minute": 16}
